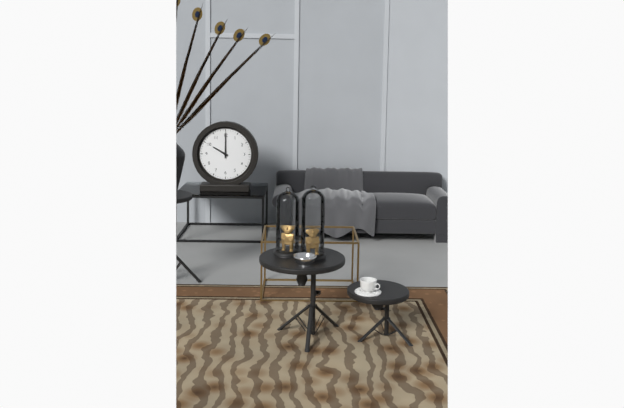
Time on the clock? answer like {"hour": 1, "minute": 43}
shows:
{"hour": 10, "minute": 0}
